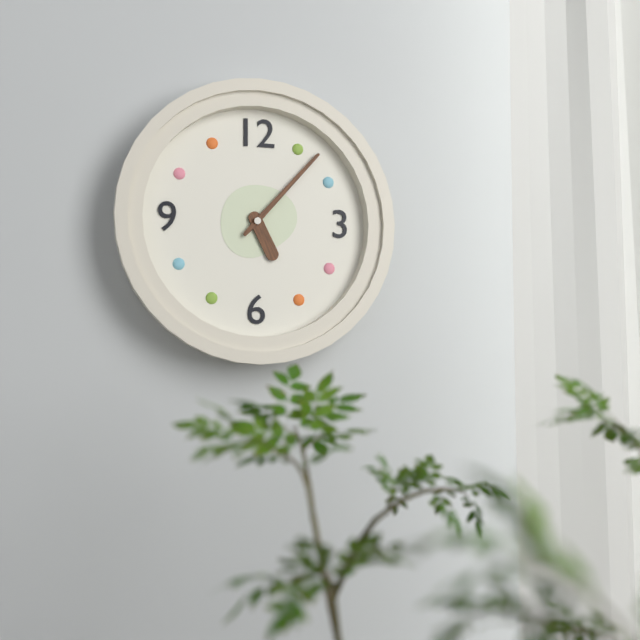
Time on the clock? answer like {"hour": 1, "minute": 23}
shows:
{"hour": 5, "minute": 7}
